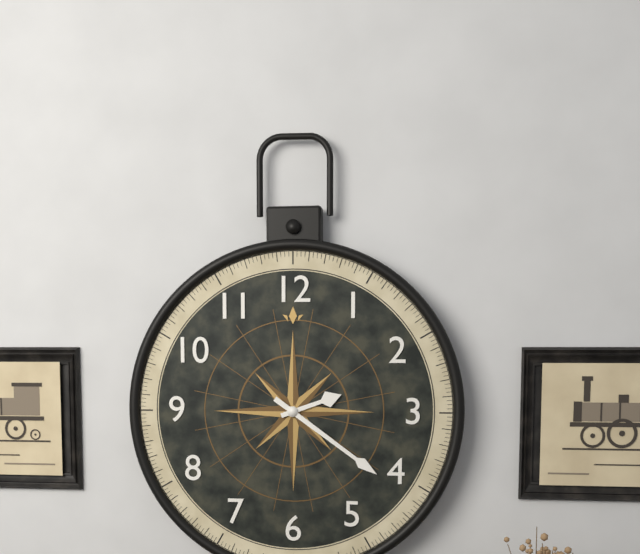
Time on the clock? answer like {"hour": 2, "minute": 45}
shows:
{"hour": 2, "minute": 21}
